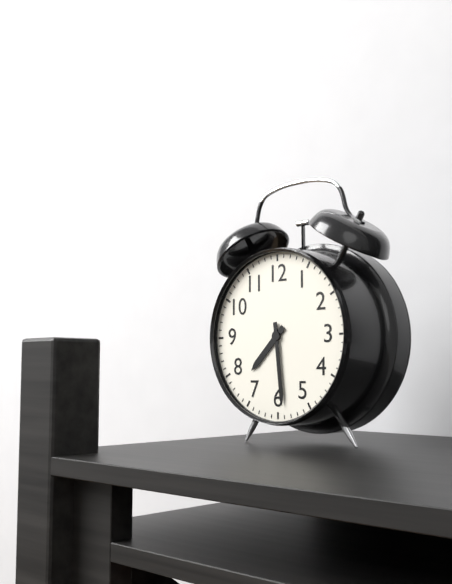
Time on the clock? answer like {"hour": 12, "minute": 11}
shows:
{"hour": 7, "minute": 29}
